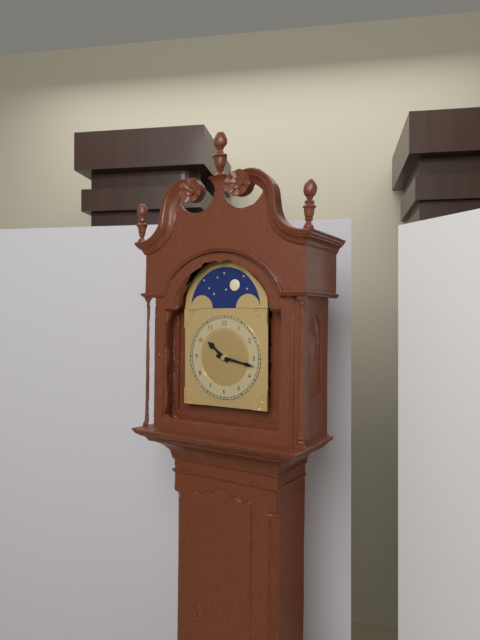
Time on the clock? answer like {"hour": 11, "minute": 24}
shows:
{"hour": 10, "minute": 17}
